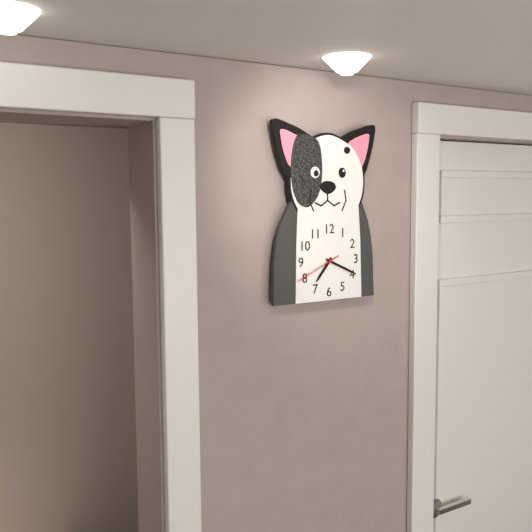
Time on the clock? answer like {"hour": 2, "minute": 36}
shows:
{"hour": 7, "minute": 19}
